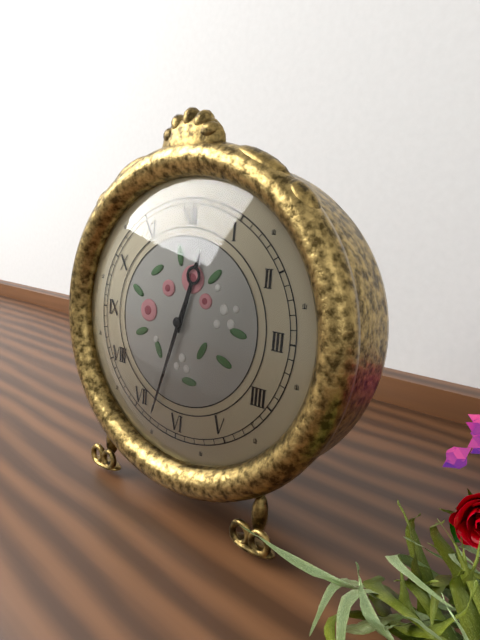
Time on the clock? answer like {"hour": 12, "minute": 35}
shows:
{"hour": 12, "minute": 33}
